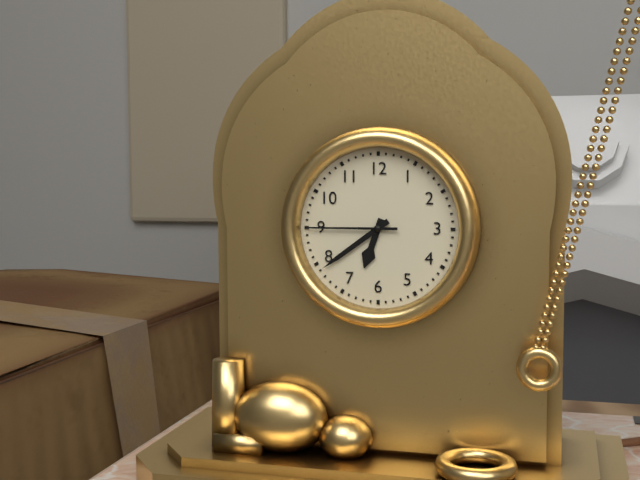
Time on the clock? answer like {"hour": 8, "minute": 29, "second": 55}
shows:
{"hour": 6, "minute": 39, "second": 45}
